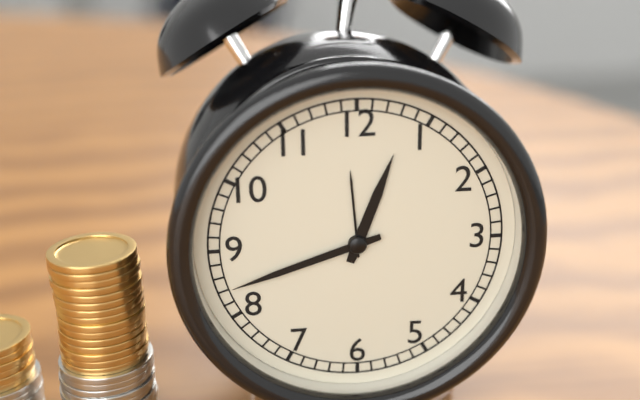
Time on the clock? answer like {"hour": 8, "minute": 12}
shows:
{"hour": 12, "minute": 42}
